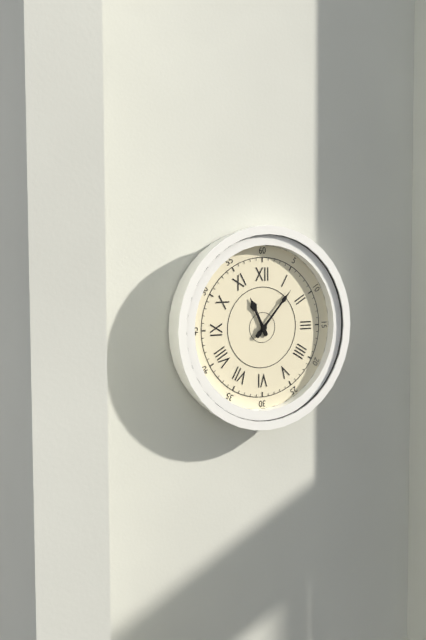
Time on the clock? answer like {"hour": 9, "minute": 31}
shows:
{"hour": 11, "minute": 7}
